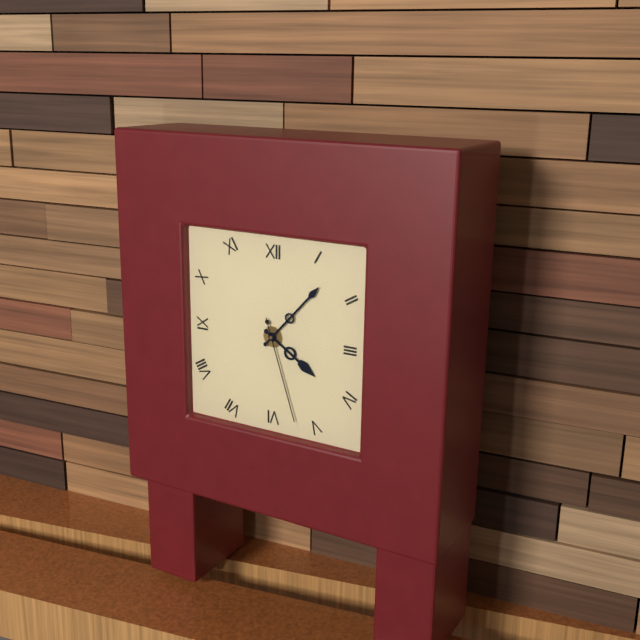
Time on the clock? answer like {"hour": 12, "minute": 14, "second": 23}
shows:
{"hour": 4, "minute": 7, "second": 27}
